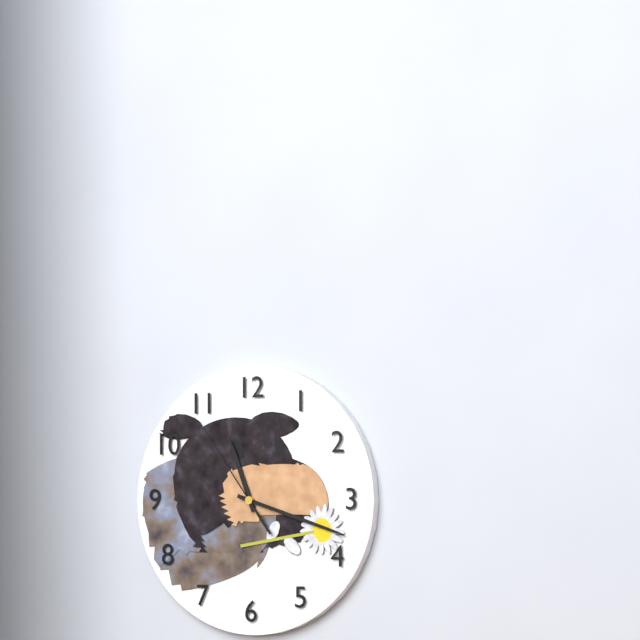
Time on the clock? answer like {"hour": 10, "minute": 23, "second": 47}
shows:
{"hour": 11, "minute": 18, "second": 54}
